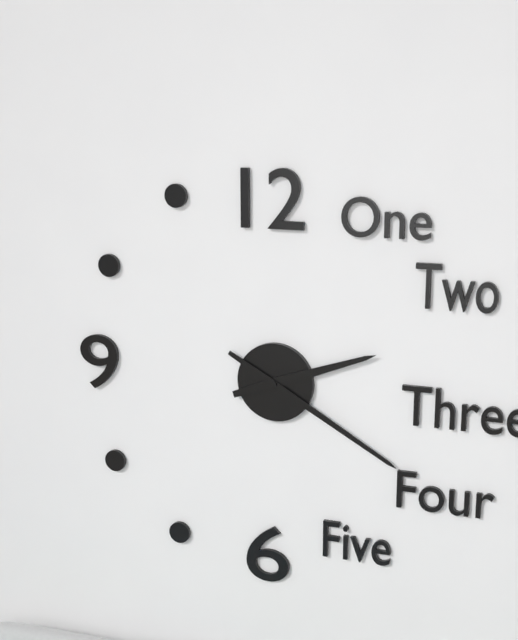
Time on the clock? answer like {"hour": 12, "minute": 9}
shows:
{"hour": 2, "minute": 20}
